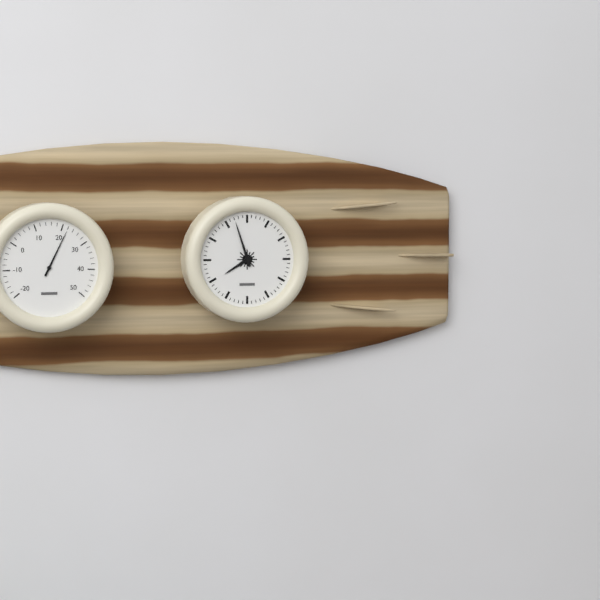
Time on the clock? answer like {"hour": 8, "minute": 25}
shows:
{"hour": 7, "minute": 57}
